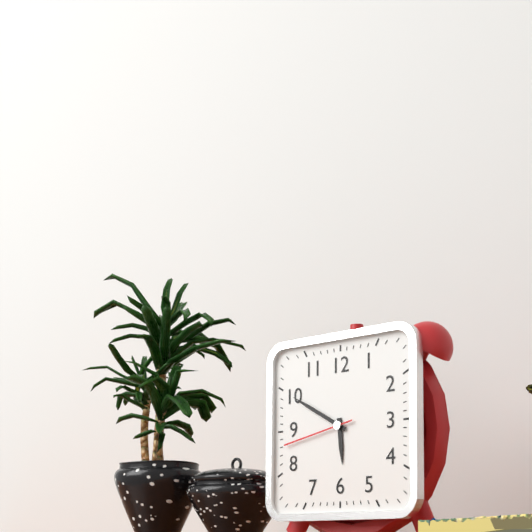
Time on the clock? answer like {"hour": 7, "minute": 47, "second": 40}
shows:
{"hour": 5, "minute": 50, "second": 43}
